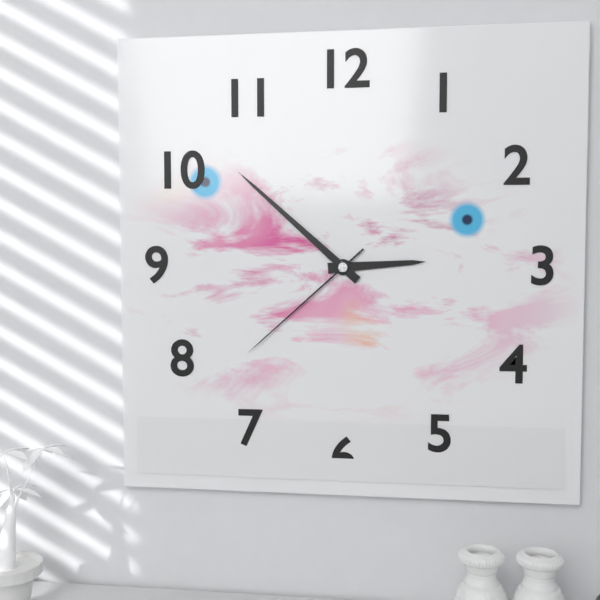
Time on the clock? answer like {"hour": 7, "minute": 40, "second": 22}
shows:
{"hour": 2, "minute": 52, "second": 38}
